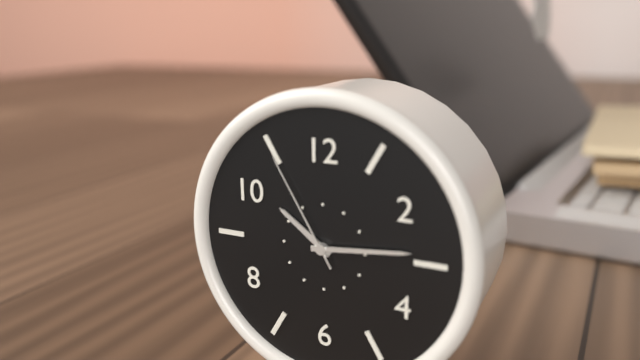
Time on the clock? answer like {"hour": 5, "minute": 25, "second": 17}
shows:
{"hour": 10, "minute": 14, "second": 55}
